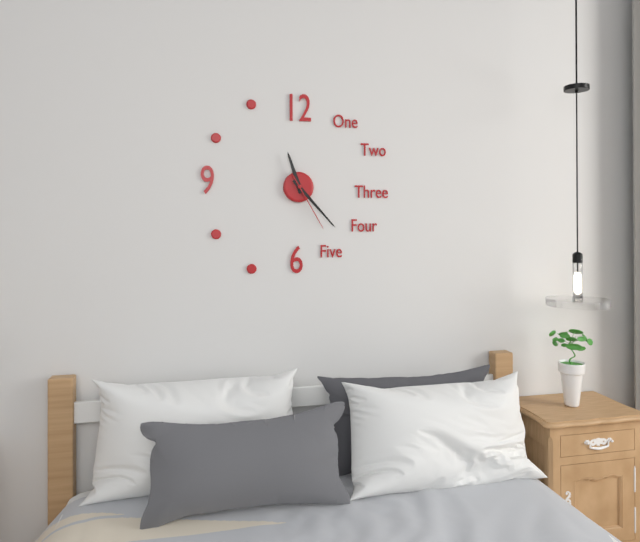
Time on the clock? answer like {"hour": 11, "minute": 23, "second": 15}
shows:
{"hour": 11, "minute": 23, "second": 25}
